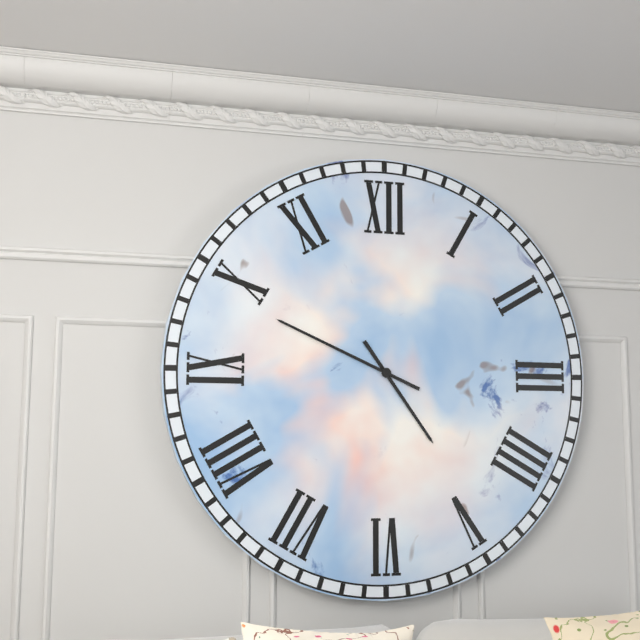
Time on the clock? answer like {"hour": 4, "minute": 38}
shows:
{"hour": 4, "minute": 49}
